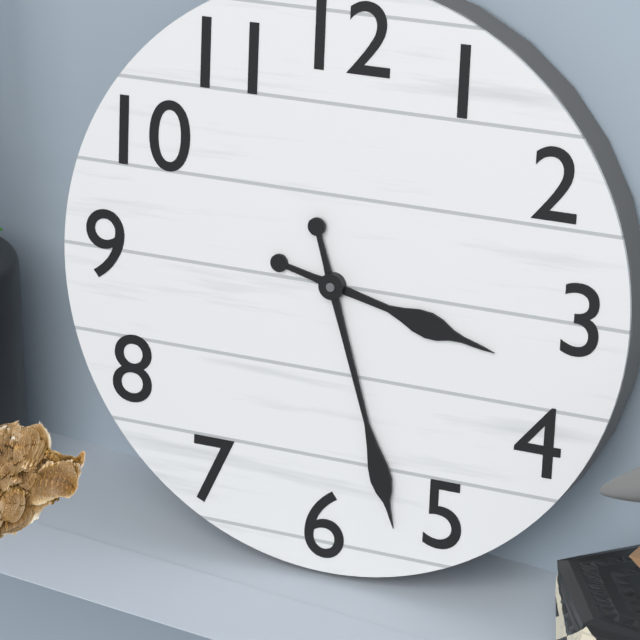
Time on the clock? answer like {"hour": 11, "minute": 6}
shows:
{"hour": 3, "minute": 27}
